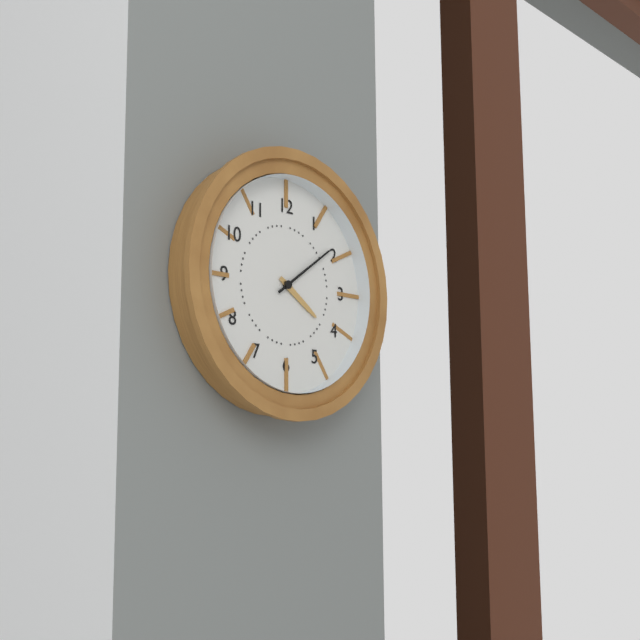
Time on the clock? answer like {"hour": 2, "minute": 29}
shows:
{"hour": 4, "minute": 9}
